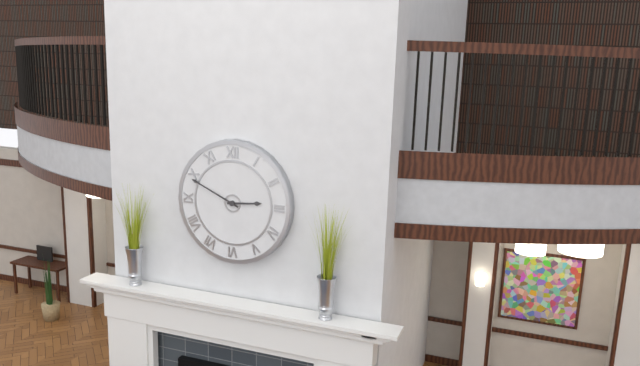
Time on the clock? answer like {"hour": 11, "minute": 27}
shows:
{"hour": 2, "minute": 49}
